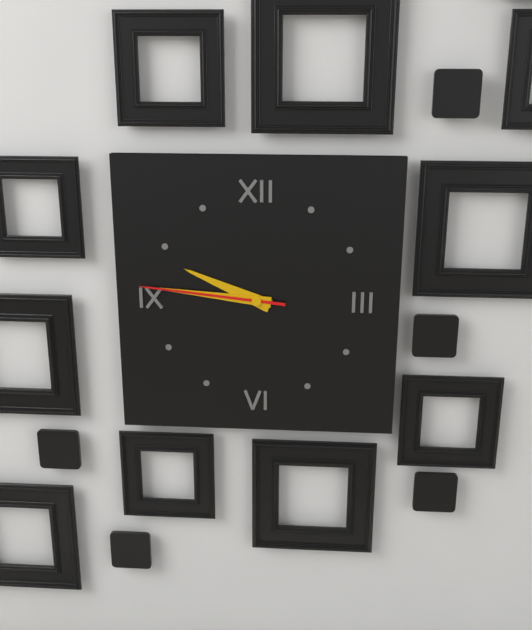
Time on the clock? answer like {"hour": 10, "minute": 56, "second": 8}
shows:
{"hour": 9, "minute": 46, "second": 46}
